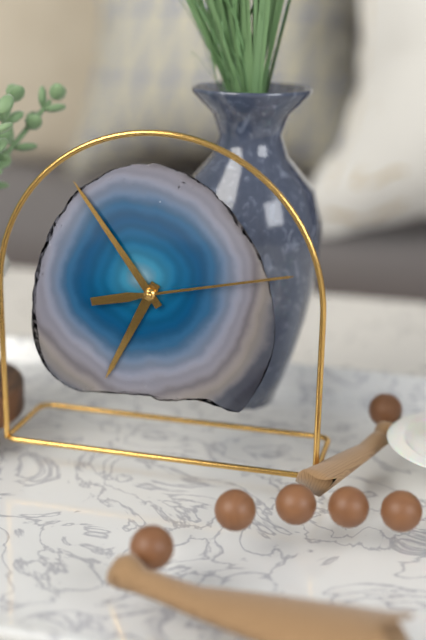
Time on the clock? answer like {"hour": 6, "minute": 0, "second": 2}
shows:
{"hour": 6, "minute": 54, "second": 13}
